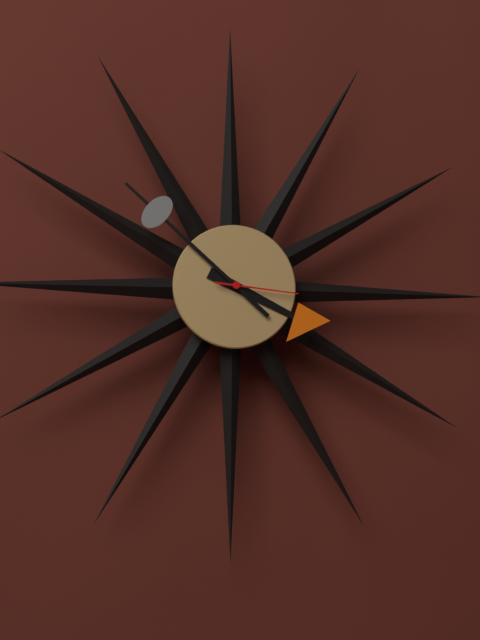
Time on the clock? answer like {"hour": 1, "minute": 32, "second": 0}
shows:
{"hour": 3, "minute": 52, "second": 16}
